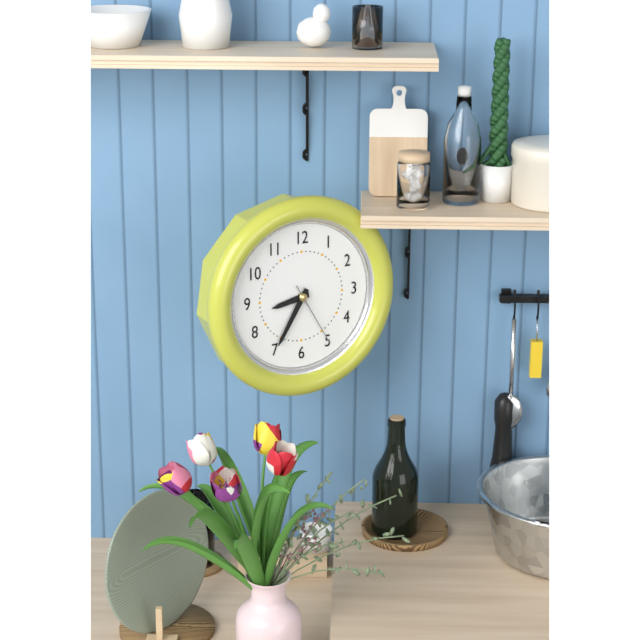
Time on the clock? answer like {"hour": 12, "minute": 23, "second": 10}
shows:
{"hour": 8, "minute": 35, "second": 25}
